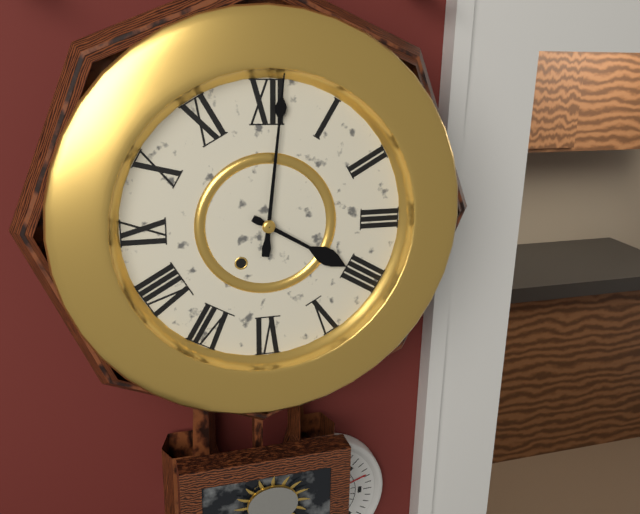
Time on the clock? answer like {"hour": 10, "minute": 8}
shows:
{"hour": 4, "minute": 1}
